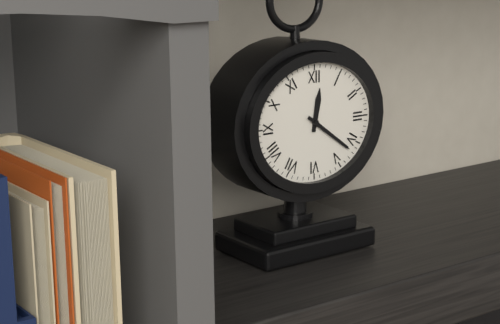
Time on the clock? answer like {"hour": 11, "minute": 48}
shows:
{"hour": 12, "minute": 21}
